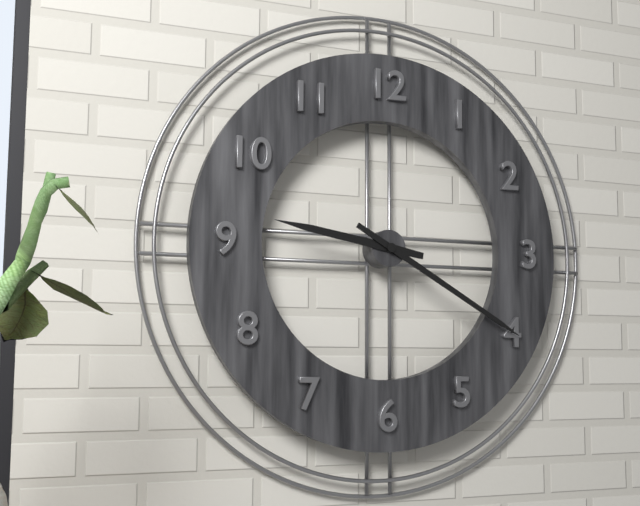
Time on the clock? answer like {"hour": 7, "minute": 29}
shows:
{"hour": 9, "minute": 20}
